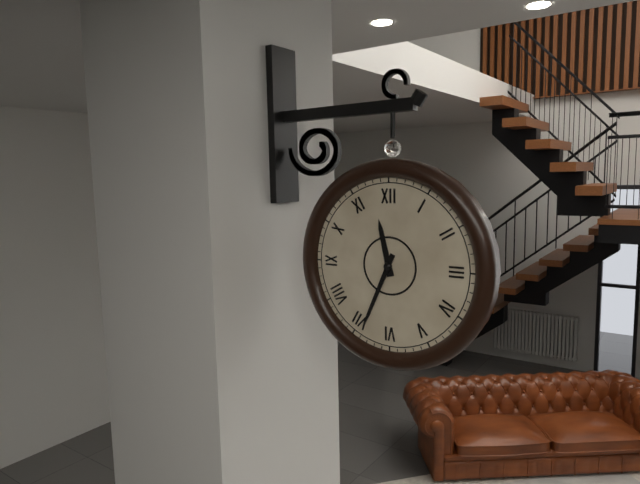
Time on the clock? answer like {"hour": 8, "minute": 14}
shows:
{"hour": 11, "minute": 34}
